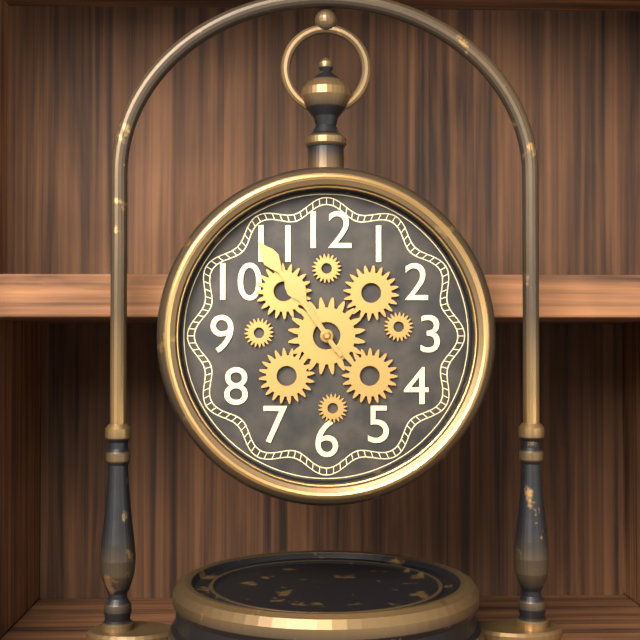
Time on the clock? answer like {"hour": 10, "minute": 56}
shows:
{"hour": 10, "minute": 54}
